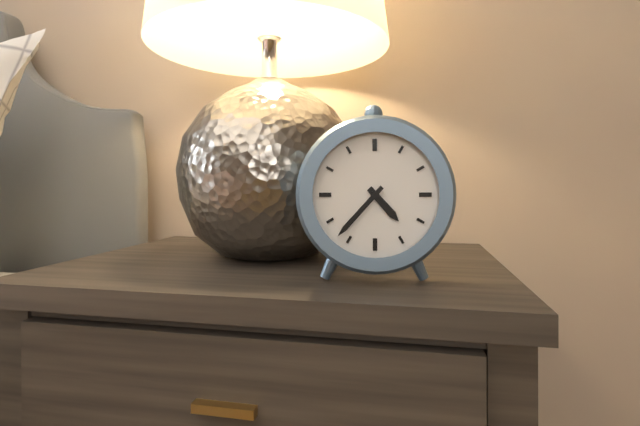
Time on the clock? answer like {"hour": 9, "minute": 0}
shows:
{"hour": 4, "minute": 37}
